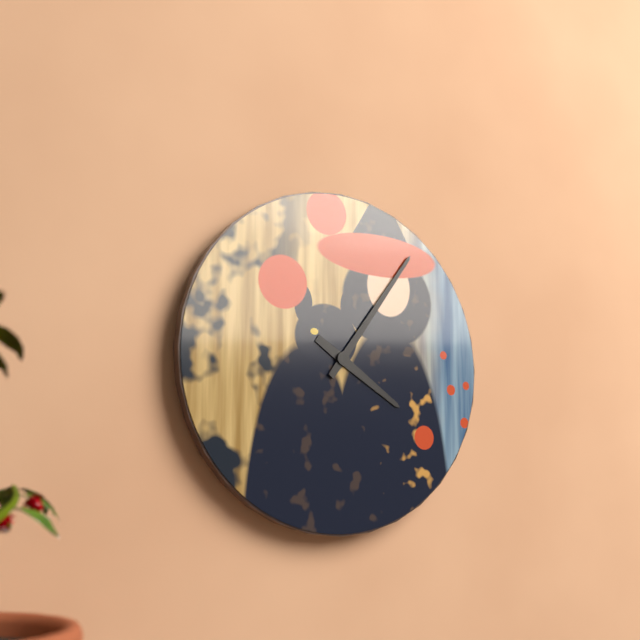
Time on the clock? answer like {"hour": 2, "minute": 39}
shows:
{"hour": 4, "minute": 6}
